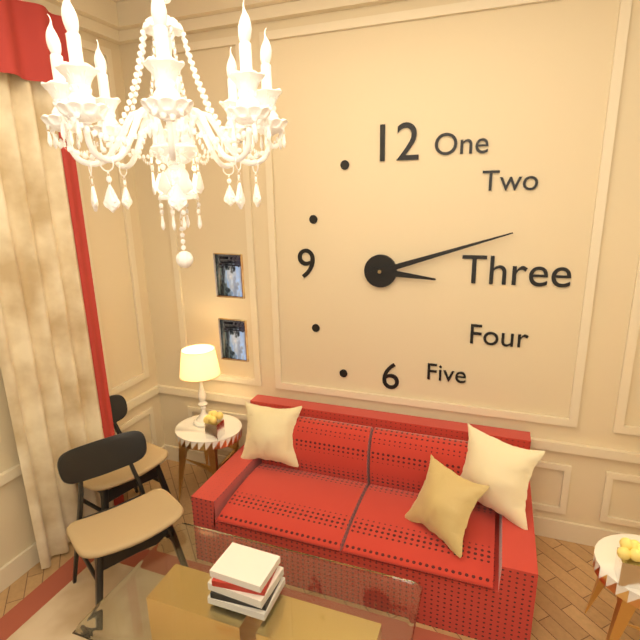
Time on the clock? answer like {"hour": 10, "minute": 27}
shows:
{"hour": 3, "minute": 12}
